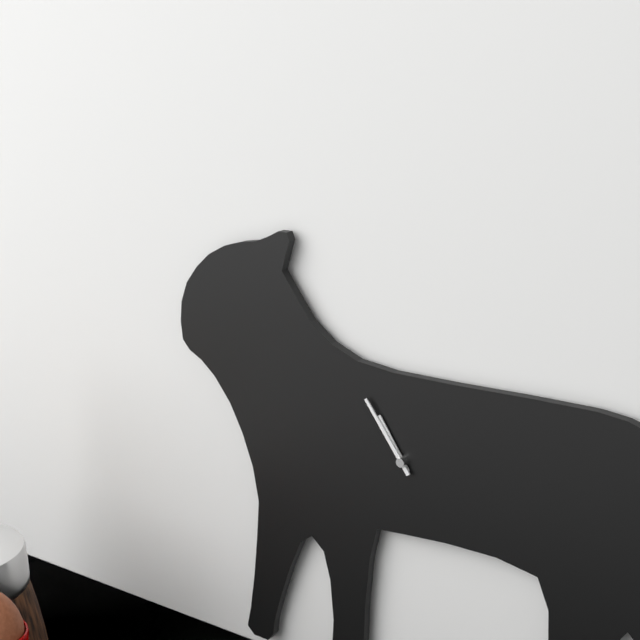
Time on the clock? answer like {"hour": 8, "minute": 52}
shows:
{"hour": 10, "minute": 54}
